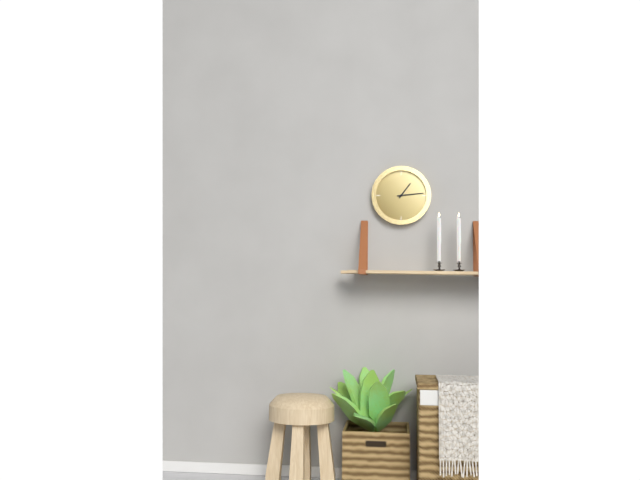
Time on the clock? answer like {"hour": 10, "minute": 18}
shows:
{"hour": 1, "minute": 14}
